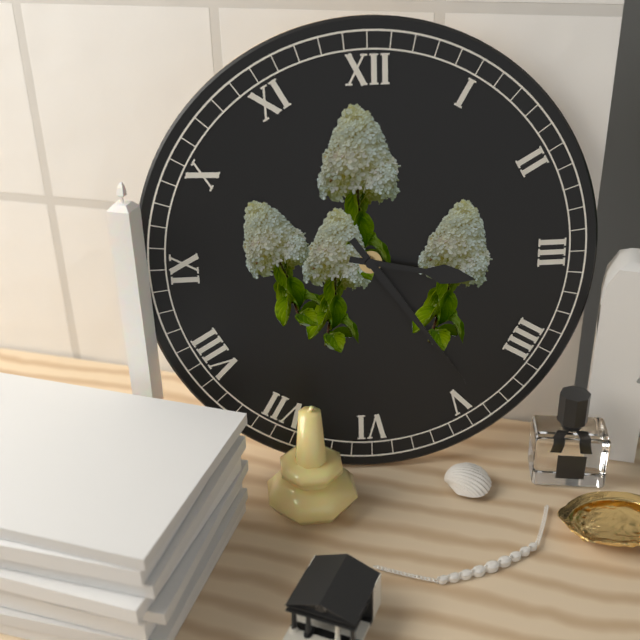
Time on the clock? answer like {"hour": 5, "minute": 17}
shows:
{"hour": 3, "minute": 24}
